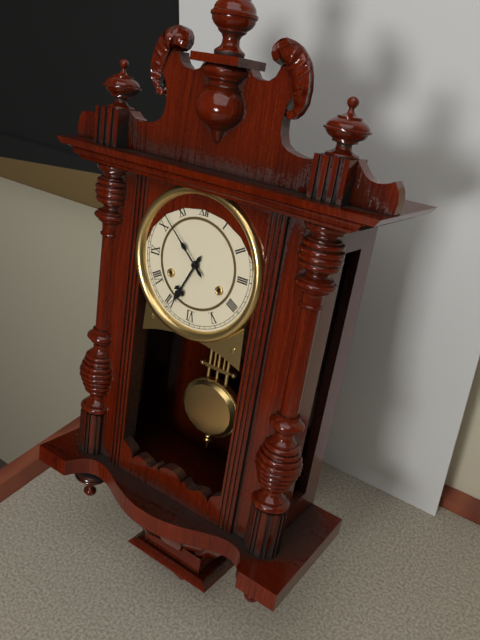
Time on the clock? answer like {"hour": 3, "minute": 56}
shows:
{"hour": 6, "minute": 52}
